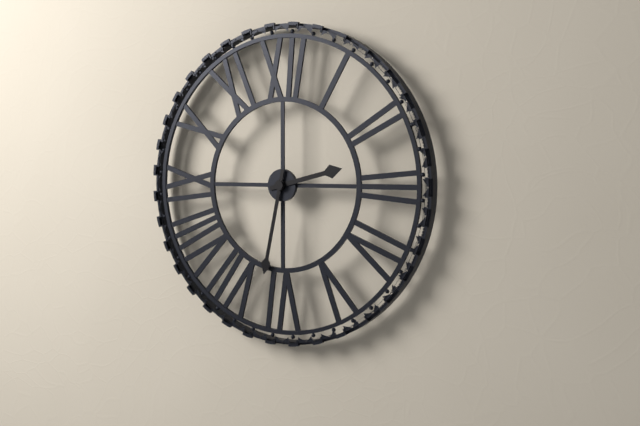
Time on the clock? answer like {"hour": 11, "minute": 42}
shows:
{"hour": 2, "minute": 32}
